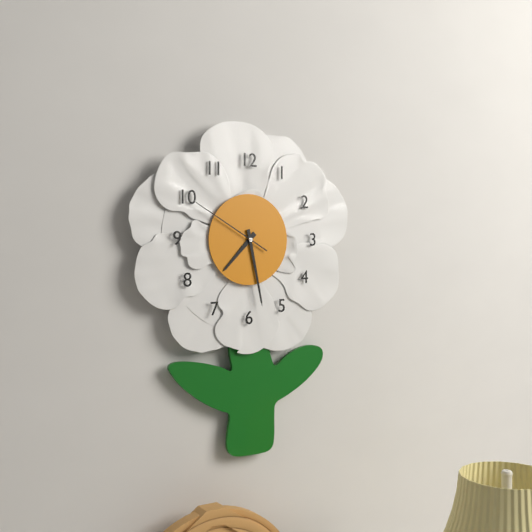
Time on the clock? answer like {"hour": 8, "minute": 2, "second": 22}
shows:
{"hour": 7, "minute": 28, "second": 50}
